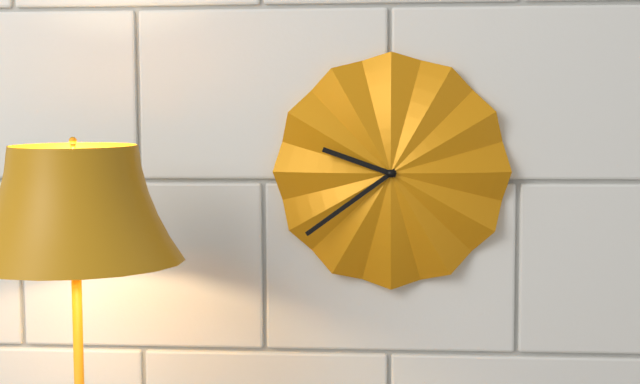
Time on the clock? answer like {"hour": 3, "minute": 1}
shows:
{"hour": 9, "minute": 39}
